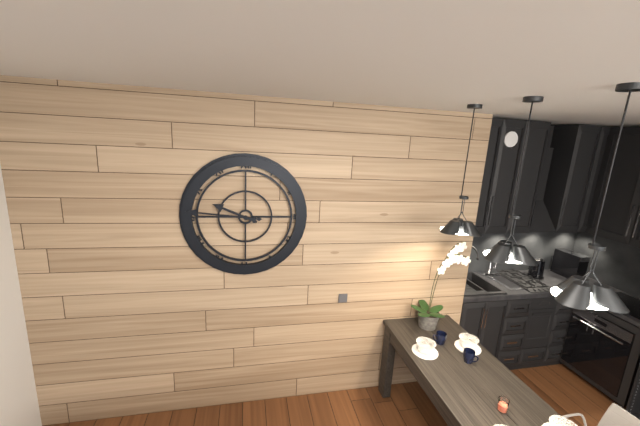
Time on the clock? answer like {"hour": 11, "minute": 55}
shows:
{"hour": 9, "minute": 46}
